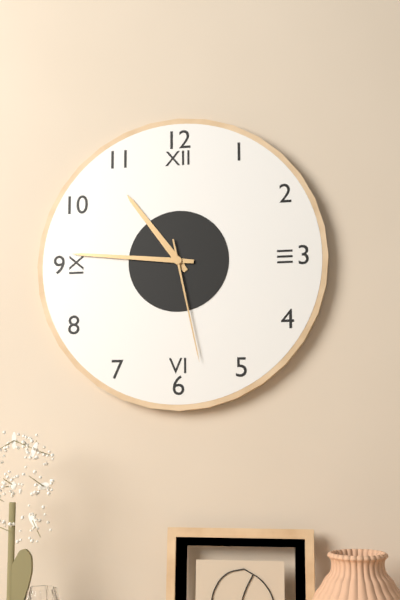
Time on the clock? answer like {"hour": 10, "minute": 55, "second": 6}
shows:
{"hour": 10, "minute": 46, "second": 28}
